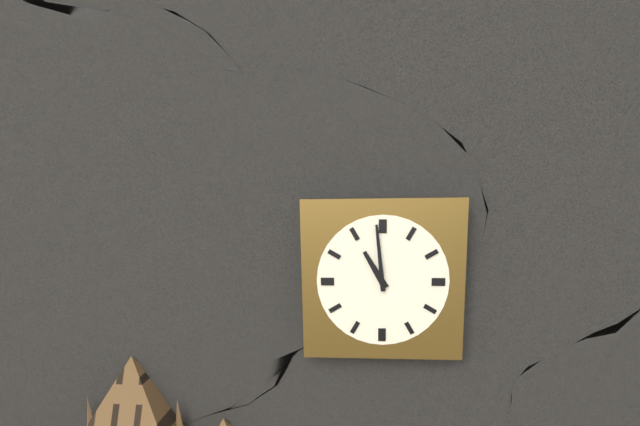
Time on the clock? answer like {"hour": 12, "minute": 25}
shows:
{"hour": 10, "minute": 59}
